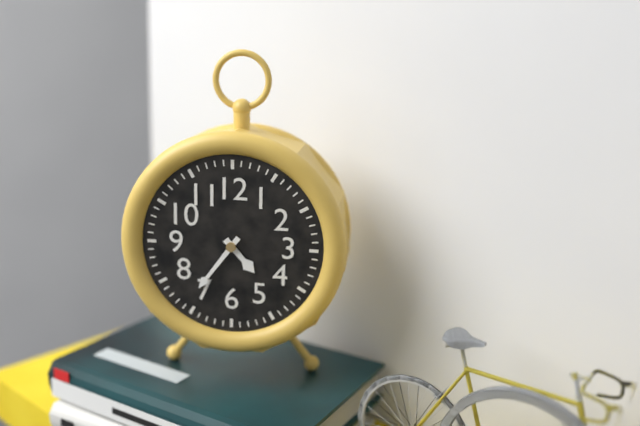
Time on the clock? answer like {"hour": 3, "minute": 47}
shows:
{"hour": 4, "minute": 36}
